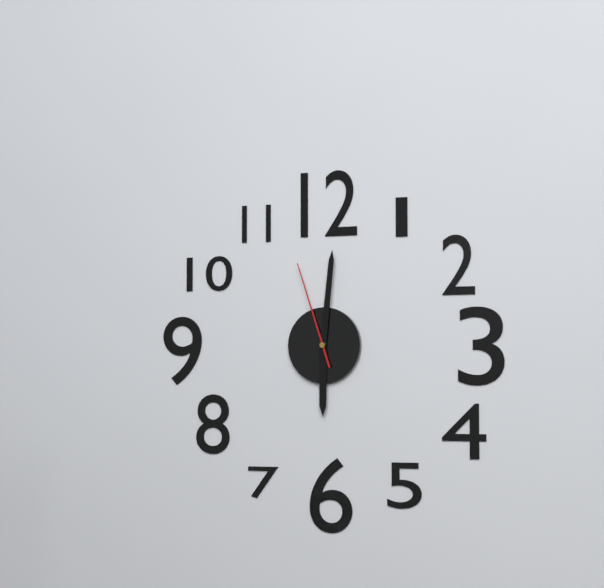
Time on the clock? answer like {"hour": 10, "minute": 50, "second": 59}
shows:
{"hour": 6, "minute": 1, "second": 57}
